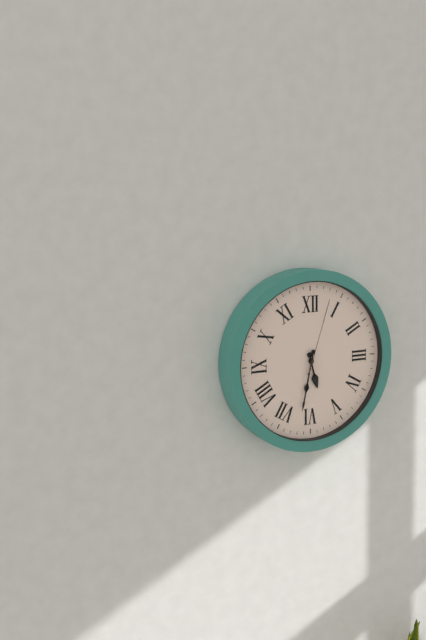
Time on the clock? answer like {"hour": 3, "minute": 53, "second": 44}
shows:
{"hour": 5, "minute": 32, "second": 3}
